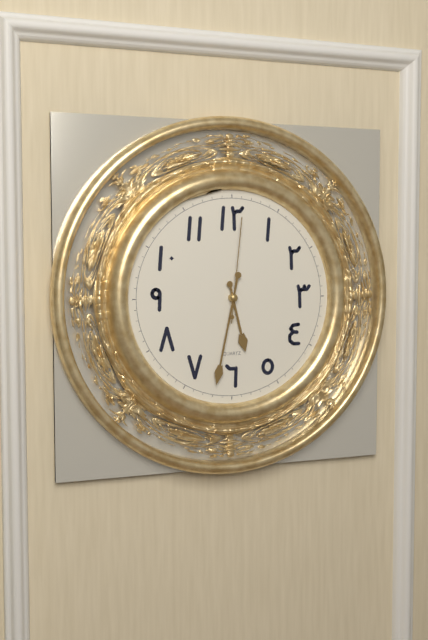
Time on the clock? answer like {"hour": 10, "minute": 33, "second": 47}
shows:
{"hour": 5, "minute": 32, "second": 1}
